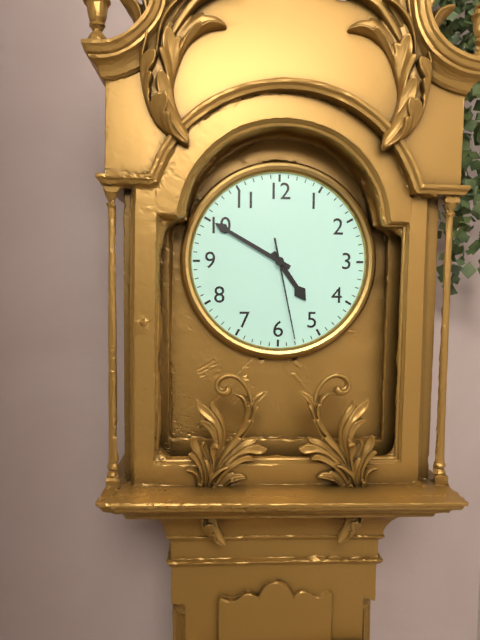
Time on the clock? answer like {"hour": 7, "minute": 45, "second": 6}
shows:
{"hour": 4, "minute": 50, "second": 28}
